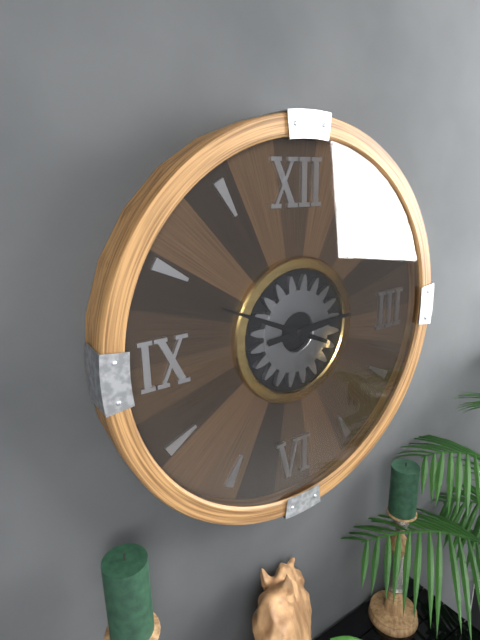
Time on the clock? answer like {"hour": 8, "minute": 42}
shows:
{"hour": 2, "minute": 49}
